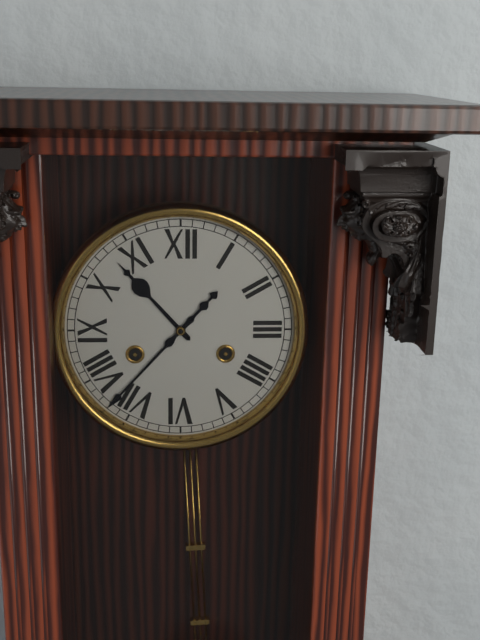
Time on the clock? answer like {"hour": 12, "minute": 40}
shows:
{"hour": 10, "minute": 37}
